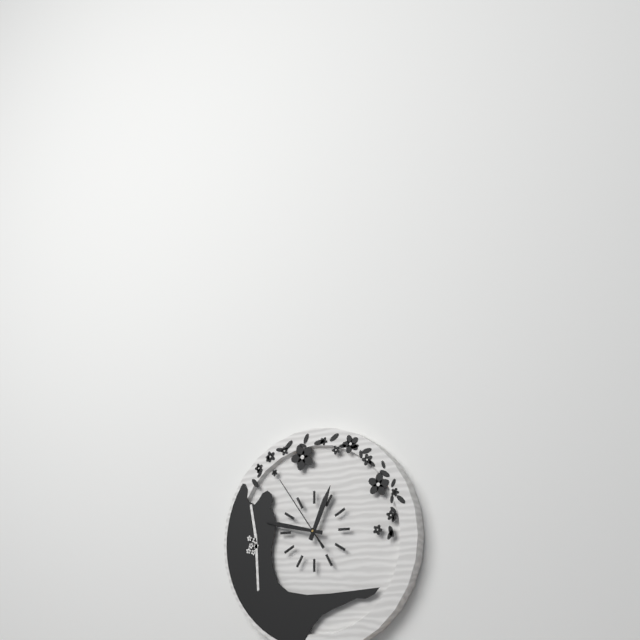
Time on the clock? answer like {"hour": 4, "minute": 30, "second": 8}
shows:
{"hour": 12, "minute": 47, "second": 54}
